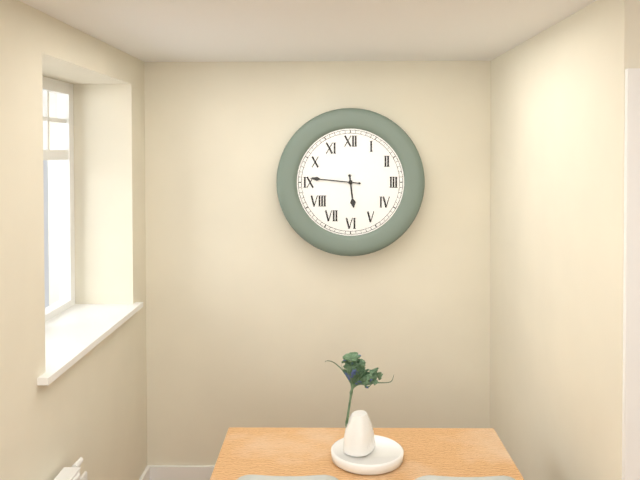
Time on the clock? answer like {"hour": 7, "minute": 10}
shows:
{"hour": 5, "minute": 46}
